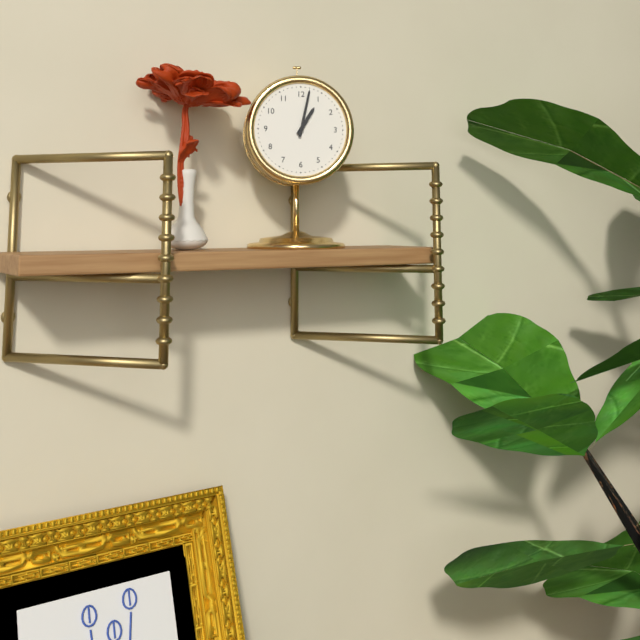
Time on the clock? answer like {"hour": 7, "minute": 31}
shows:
{"hour": 1, "minute": 2}
